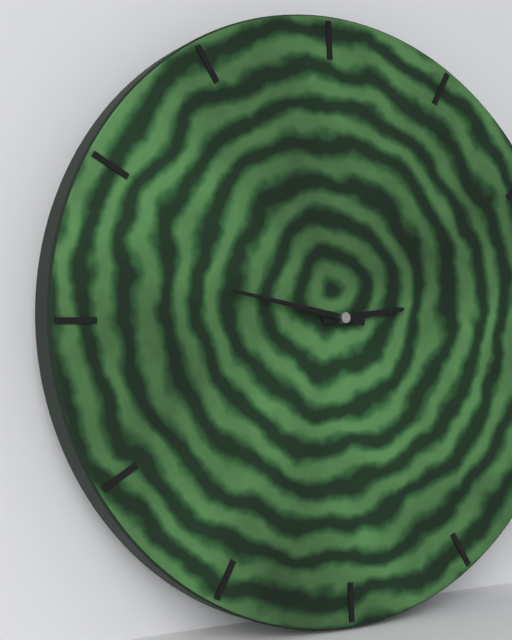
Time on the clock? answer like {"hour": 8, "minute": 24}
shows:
{"hour": 2, "minute": 47}
